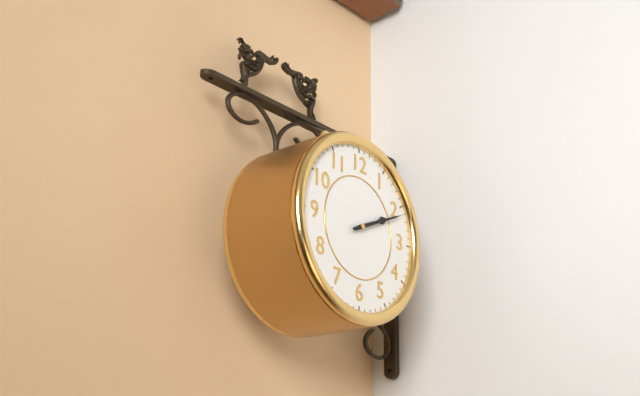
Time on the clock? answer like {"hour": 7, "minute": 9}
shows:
{"hour": 2, "minute": 11}
